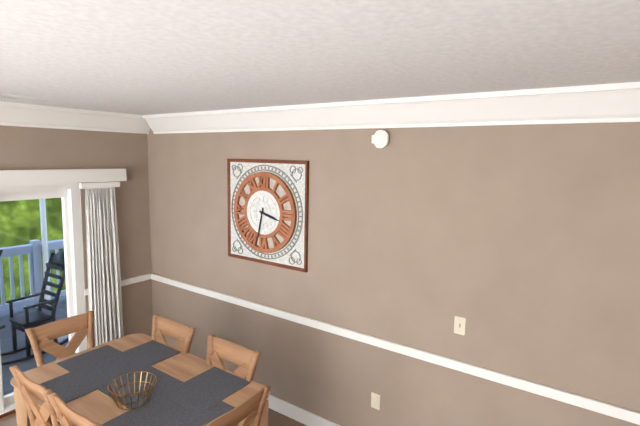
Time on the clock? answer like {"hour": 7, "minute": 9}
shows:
{"hour": 3, "minute": 32}
